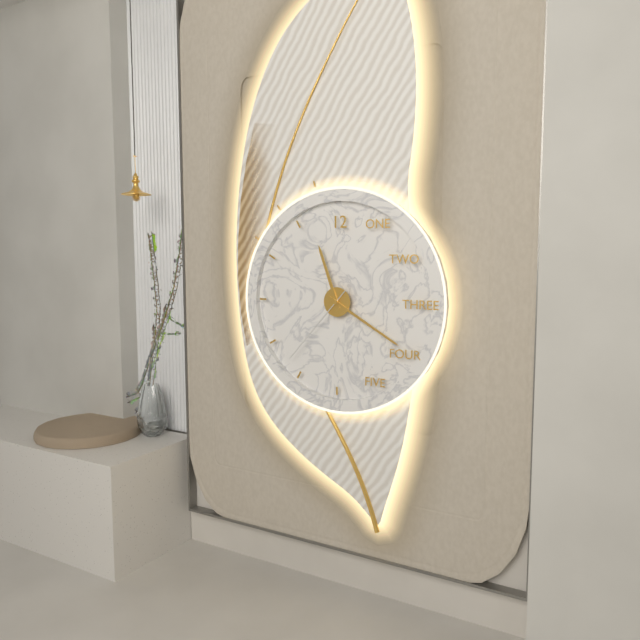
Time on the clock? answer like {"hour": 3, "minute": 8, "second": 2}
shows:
{"hour": 11, "minute": 20, "second": 37}
